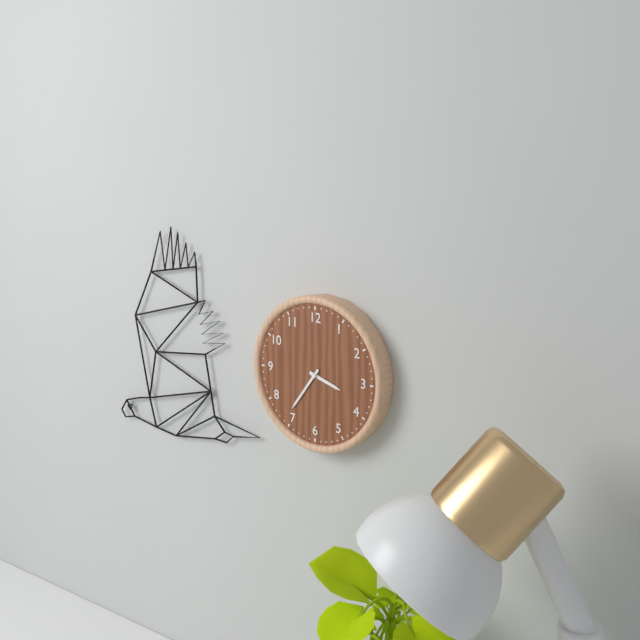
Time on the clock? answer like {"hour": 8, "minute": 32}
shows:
{"hour": 3, "minute": 36}
